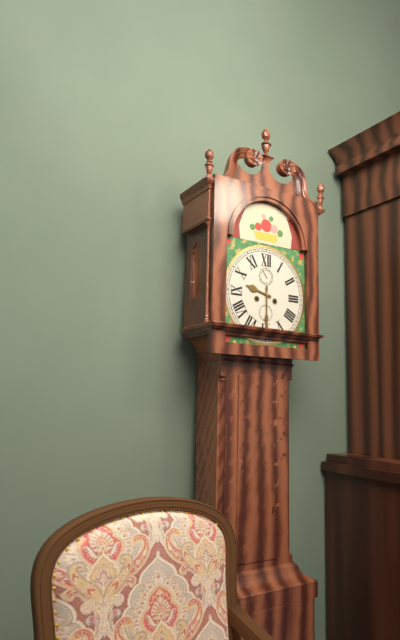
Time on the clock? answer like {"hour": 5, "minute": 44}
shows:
{"hour": 9, "minute": 30}
